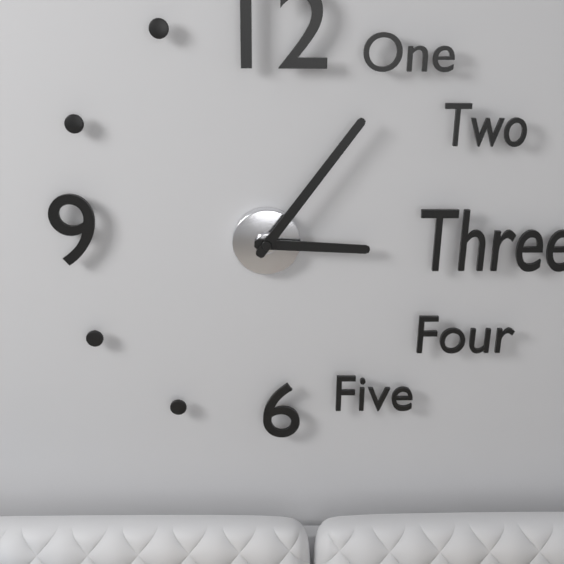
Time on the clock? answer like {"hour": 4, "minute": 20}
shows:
{"hour": 3, "minute": 6}
